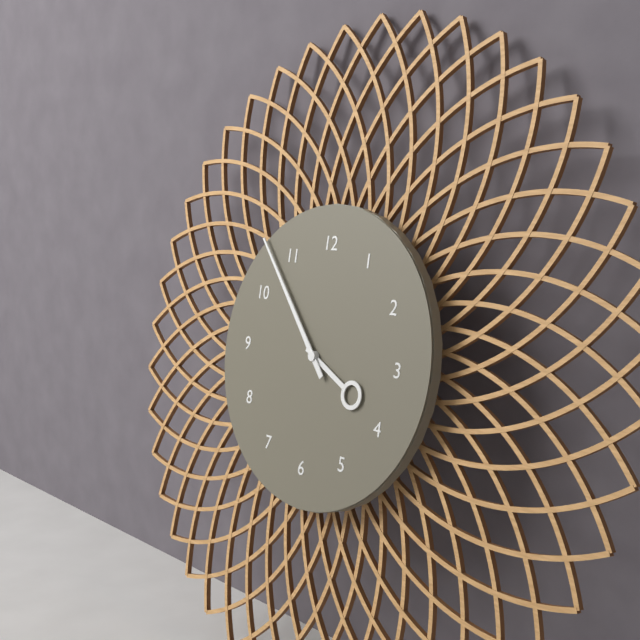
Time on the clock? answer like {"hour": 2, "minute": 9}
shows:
{"hour": 3, "minute": 53}
